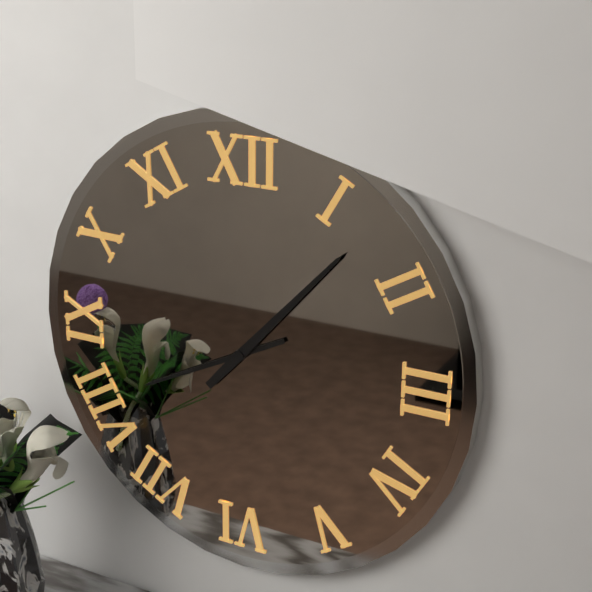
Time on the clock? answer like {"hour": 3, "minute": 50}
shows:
{"hour": 8, "minute": 7}
